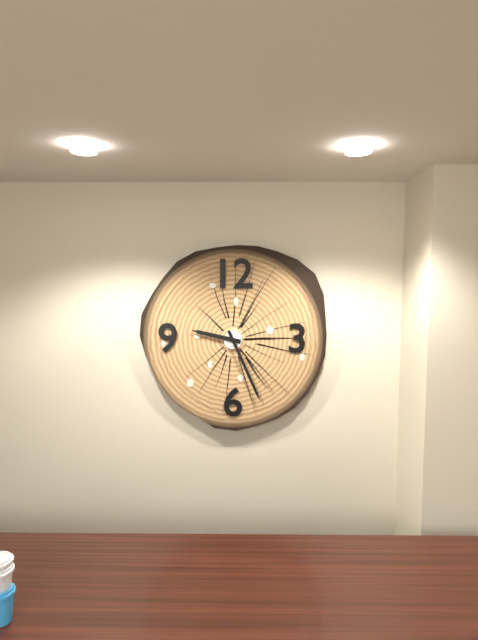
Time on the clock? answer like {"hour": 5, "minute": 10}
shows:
{"hour": 9, "minute": 26}
